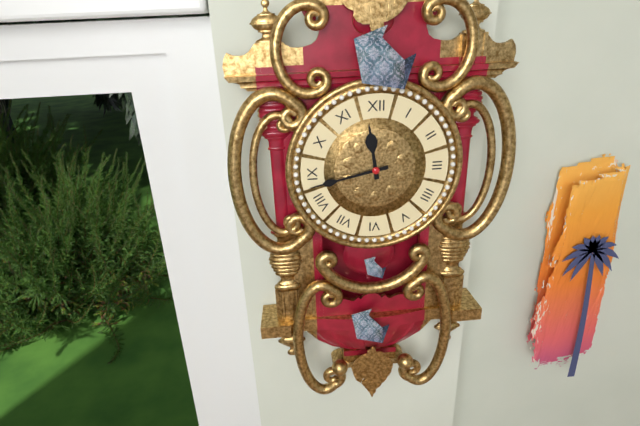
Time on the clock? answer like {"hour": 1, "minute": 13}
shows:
{"hour": 11, "minute": 43}
